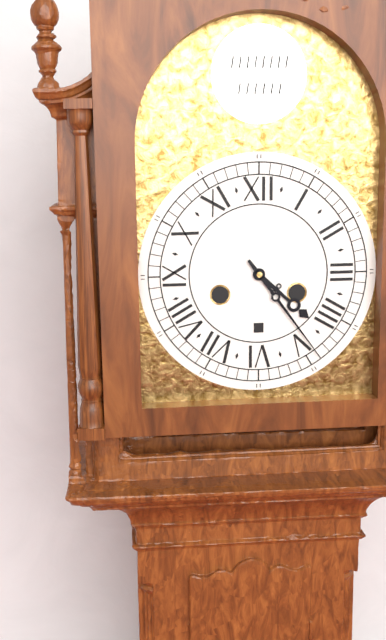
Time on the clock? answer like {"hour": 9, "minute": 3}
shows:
{"hour": 4, "minute": 24}
